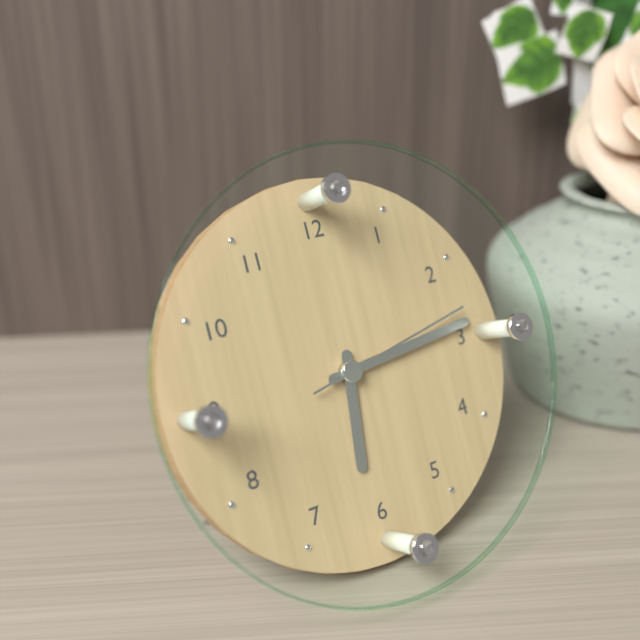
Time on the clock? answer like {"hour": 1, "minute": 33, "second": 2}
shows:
{"hour": 6, "minute": 14, "second": 13}
